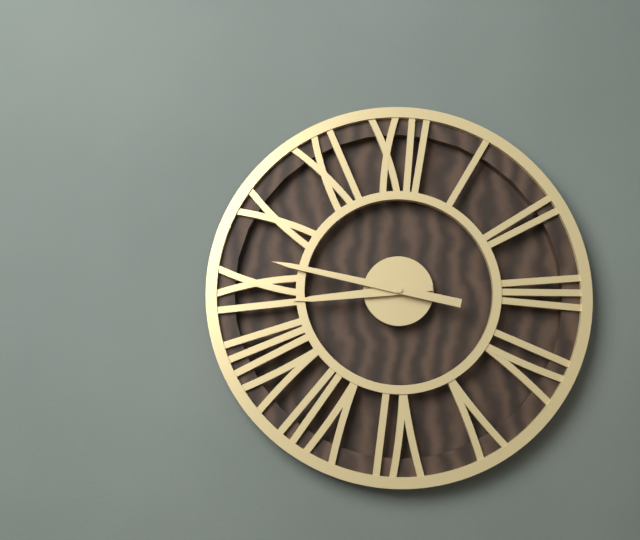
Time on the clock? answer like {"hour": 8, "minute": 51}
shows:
{"hour": 8, "minute": 47}
